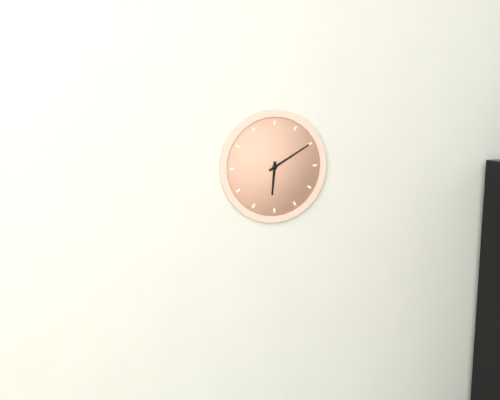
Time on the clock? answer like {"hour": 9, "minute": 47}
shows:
{"hour": 6, "minute": 10}
